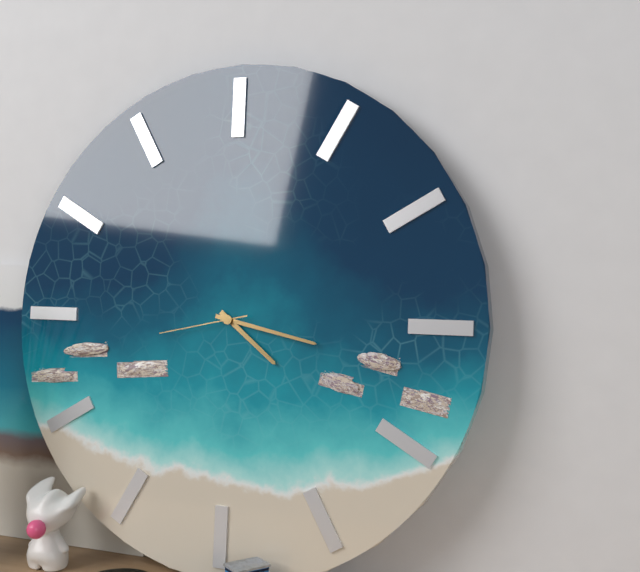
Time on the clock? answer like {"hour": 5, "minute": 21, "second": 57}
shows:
{"hour": 4, "minute": 17, "second": 43}
